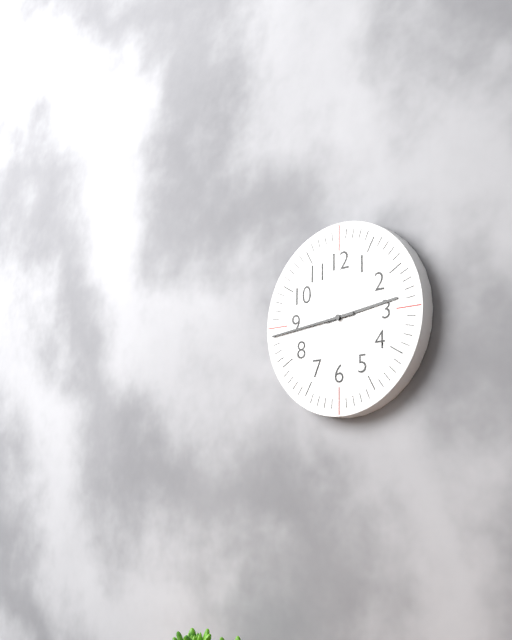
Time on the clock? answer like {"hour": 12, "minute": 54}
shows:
{"hour": 2, "minute": 44}
